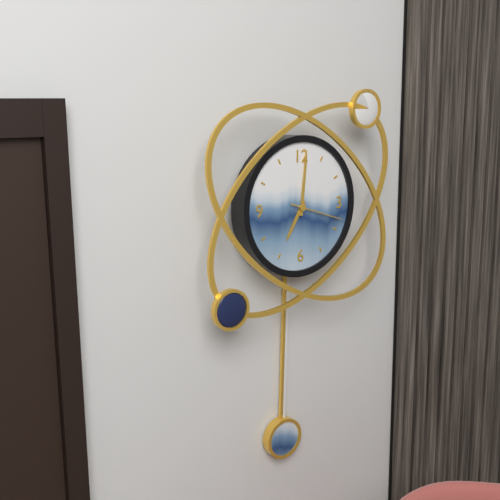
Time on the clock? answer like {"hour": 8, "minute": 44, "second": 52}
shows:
{"hour": 7, "minute": 1, "second": 18}
